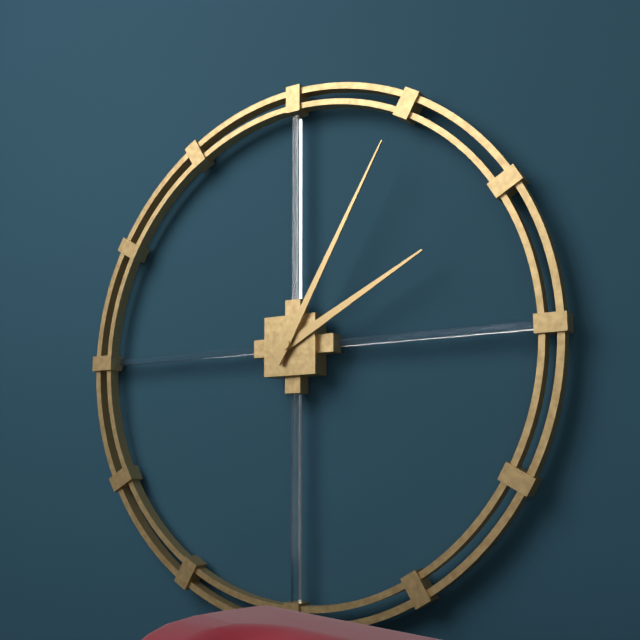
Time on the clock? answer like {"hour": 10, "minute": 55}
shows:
{"hour": 2, "minute": 5}
